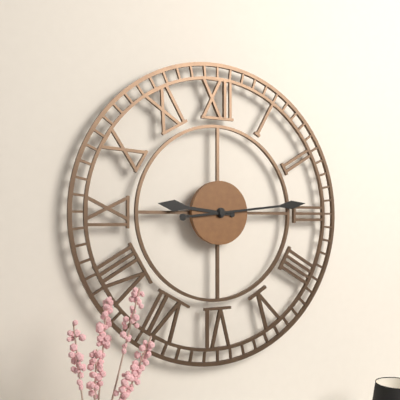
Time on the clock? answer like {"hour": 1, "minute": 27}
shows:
{"hour": 9, "minute": 14}
